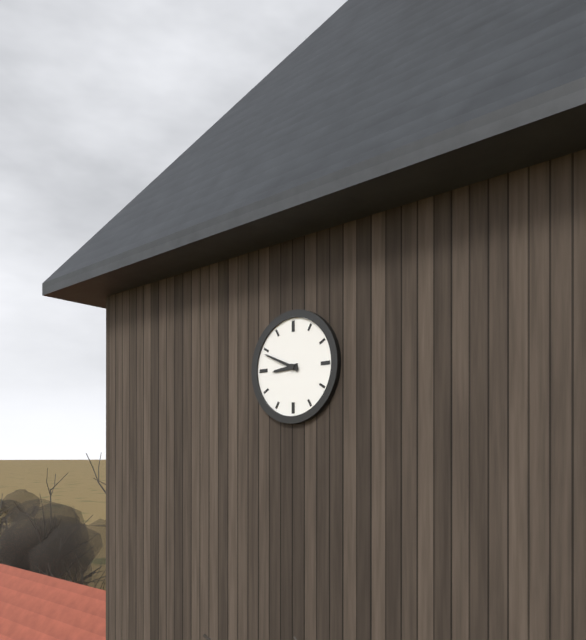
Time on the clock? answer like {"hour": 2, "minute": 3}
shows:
{"hour": 8, "minute": 49}
